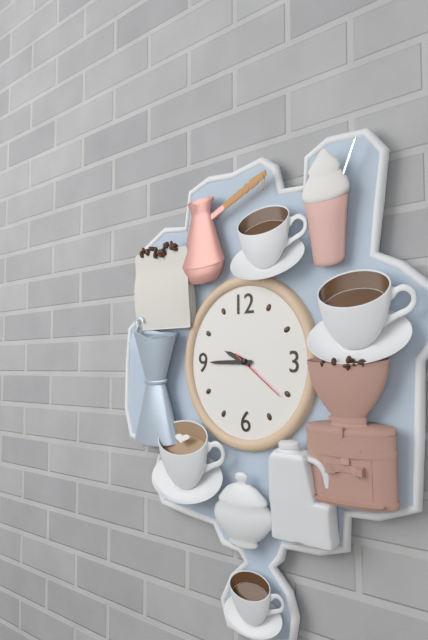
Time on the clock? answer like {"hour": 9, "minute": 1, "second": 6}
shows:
{"hour": 9, "minute": 45, "second": 21}
